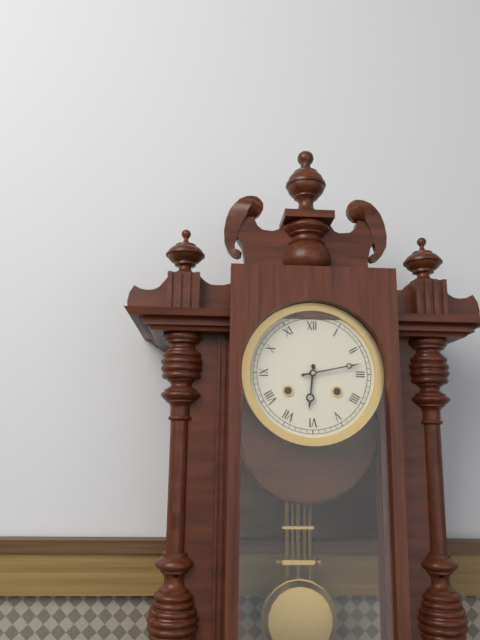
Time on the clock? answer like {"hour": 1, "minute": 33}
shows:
{"hour": 6, "minute": 13}
